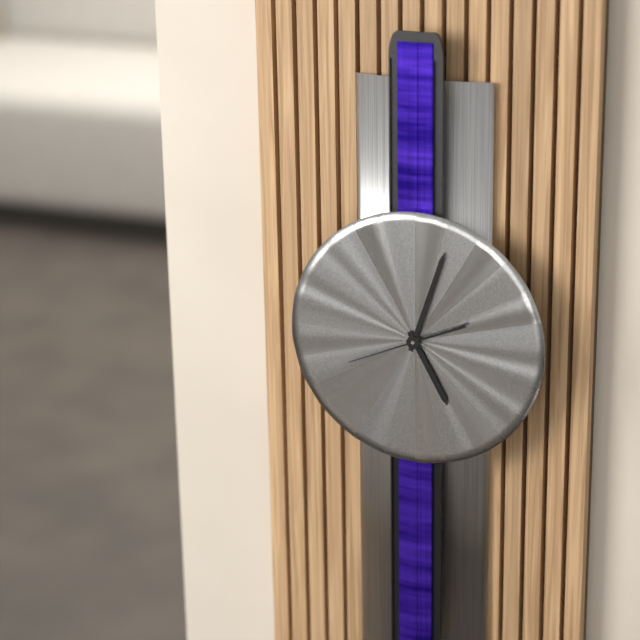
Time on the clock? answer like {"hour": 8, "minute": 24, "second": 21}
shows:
{"hour": 5, "minute": 3, "second": 41}
